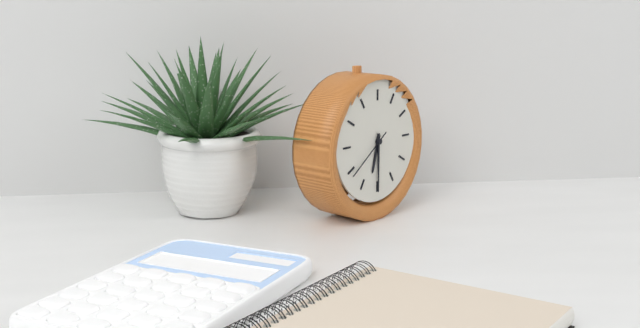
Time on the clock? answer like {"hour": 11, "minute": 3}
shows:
{"hour": 6, "minute": 30}
